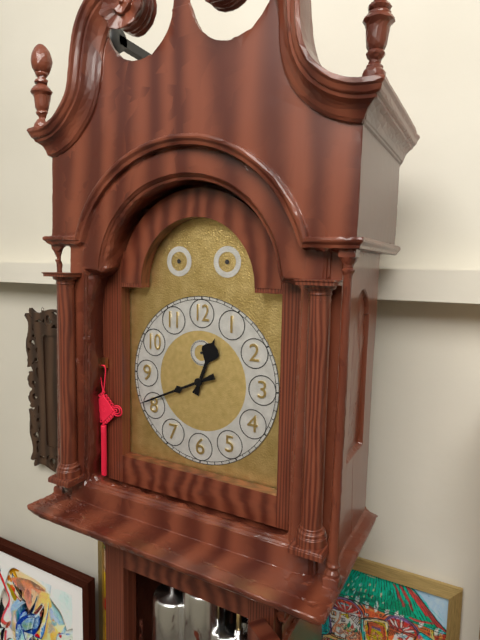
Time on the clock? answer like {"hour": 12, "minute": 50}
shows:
{"hour": 12, "minute": 41}
